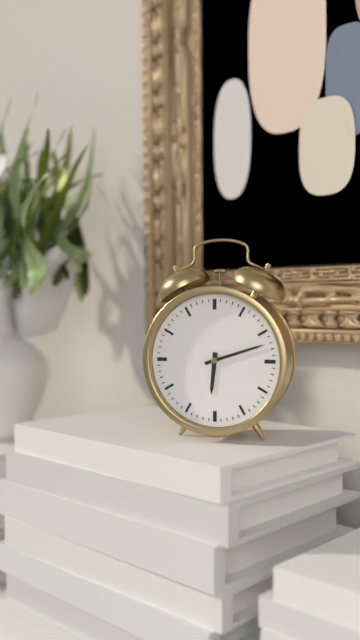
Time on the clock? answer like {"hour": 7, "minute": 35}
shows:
{"hour": 6, "minute": 12}
